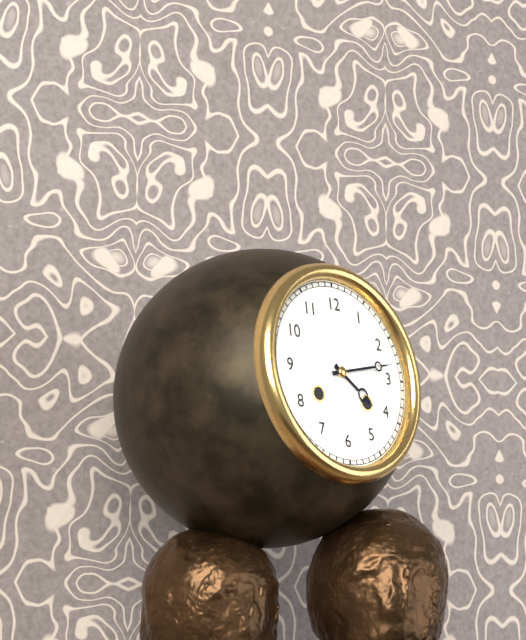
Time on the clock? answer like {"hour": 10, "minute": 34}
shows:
{"hour": 4, "minute": 13}
